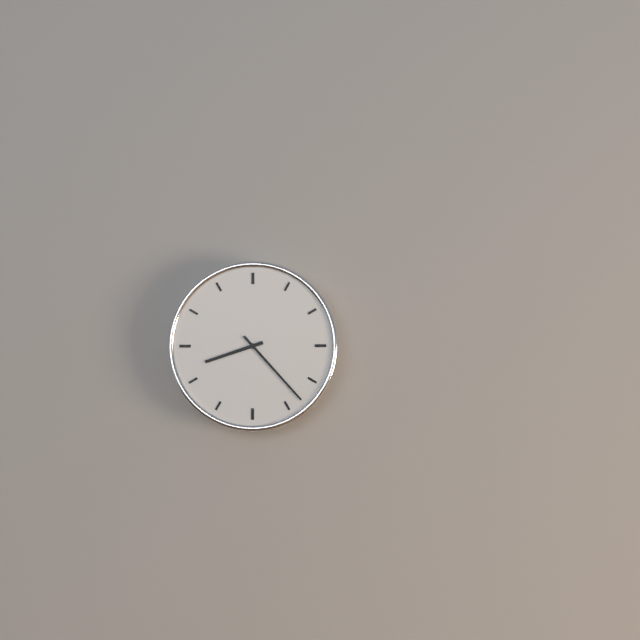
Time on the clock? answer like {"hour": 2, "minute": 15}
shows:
{"hour": 8, "minute": 23}
